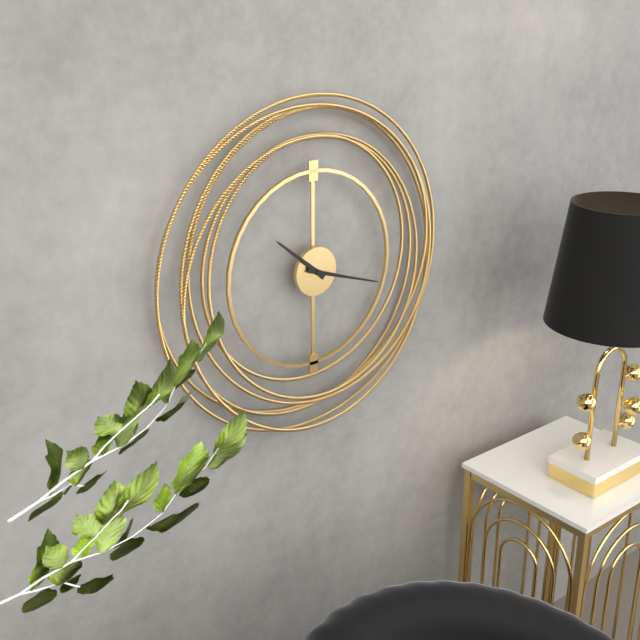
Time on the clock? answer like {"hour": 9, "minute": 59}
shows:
{"hour": 10, "minute": 18}
